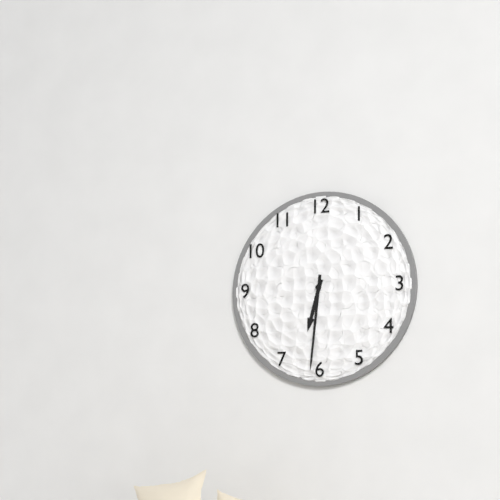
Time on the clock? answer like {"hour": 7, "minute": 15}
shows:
{"hour": 6, "minute": 31}
